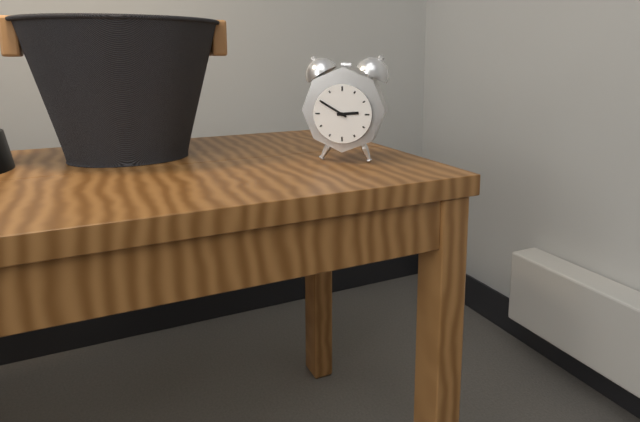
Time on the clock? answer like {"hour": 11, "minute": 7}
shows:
{"hour": 2, "minute": 50}
